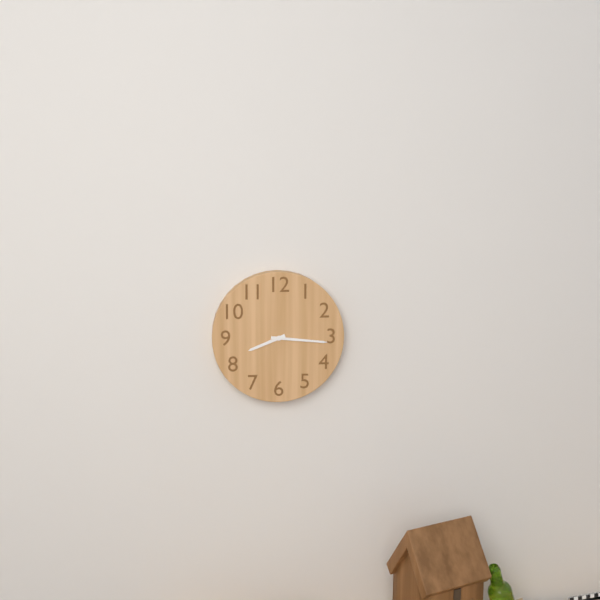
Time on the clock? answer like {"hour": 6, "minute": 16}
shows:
{"hour": 8, "minute": 16}
